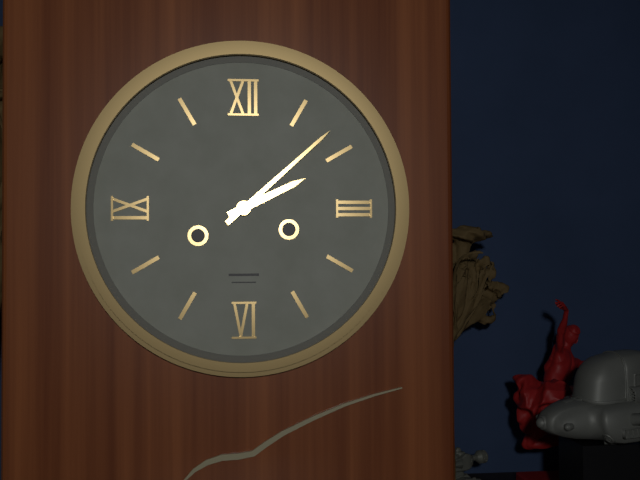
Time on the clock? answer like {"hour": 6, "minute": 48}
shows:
{"hour": 2, "minute": 8}
